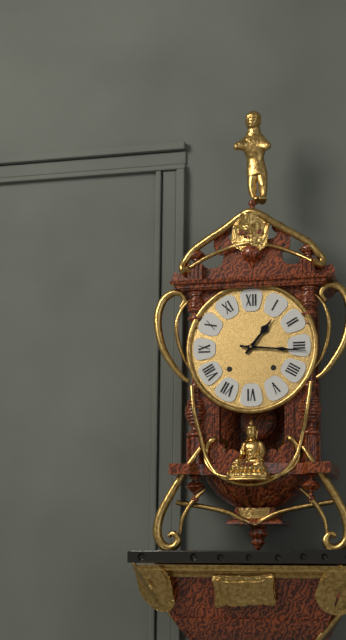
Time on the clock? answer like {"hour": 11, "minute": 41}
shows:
{"hour": 1, "minute": 16}
